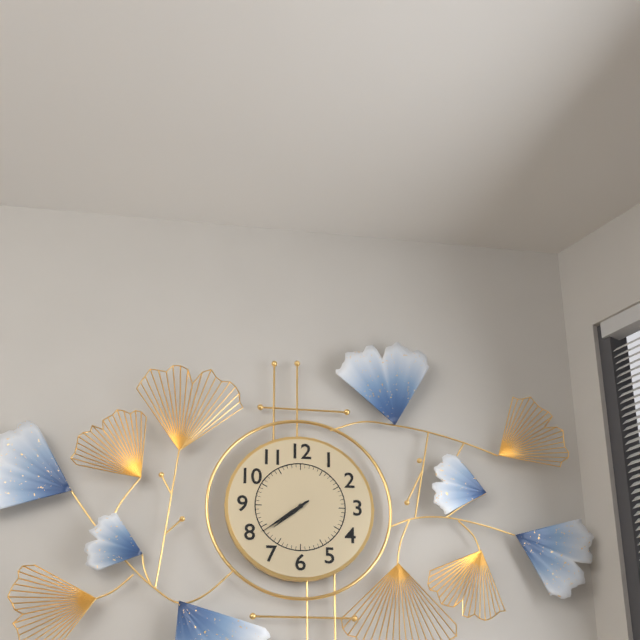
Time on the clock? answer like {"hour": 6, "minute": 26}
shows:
{"hour": 7, "minute": 39}
